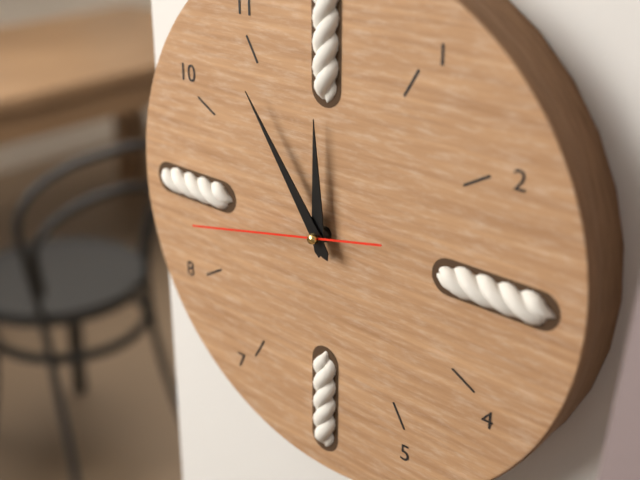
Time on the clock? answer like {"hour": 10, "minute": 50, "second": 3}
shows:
{"hour": 11, "minute": 54, "second": 43}
